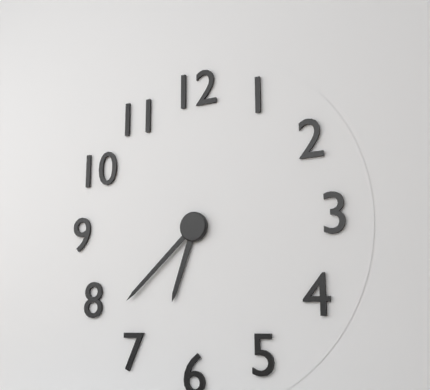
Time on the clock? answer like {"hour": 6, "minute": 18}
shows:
{"hour": 6, "minute": 38}
